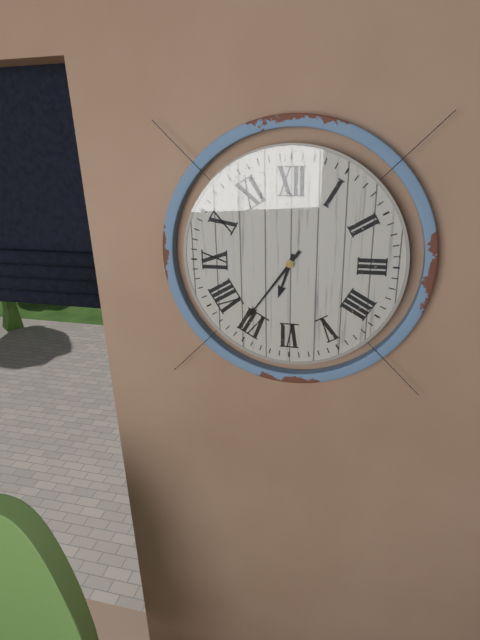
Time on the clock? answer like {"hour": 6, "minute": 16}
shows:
{"hour": 6, "minute": 36}
